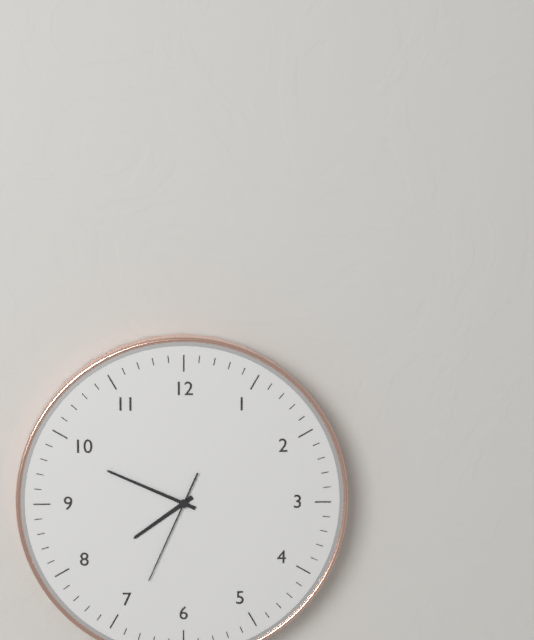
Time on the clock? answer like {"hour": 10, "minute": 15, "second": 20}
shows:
{"hour": 7, "minute": 49, "second": 34}
